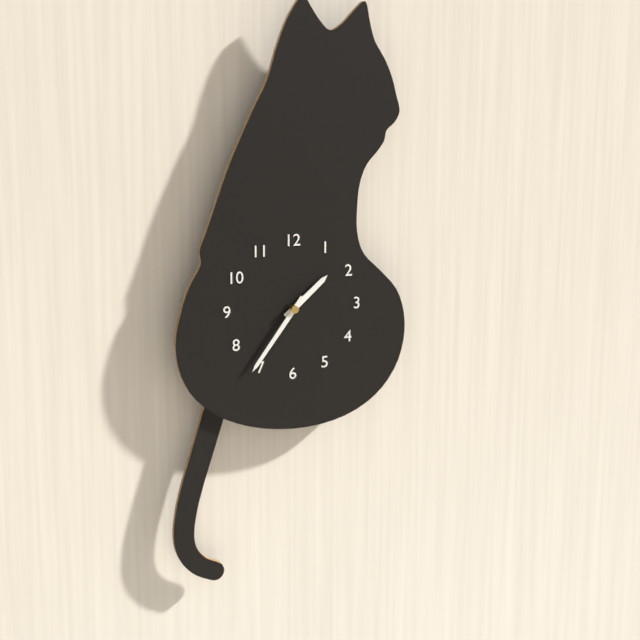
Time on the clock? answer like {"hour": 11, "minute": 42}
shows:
{"hour": 1, "minute": 36}
